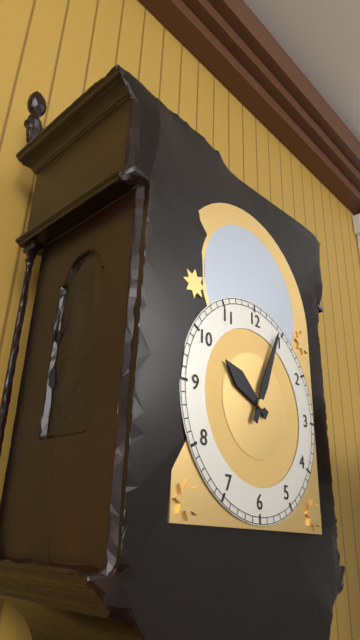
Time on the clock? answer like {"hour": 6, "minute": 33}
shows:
{"hour": 10, "minute": 4}
